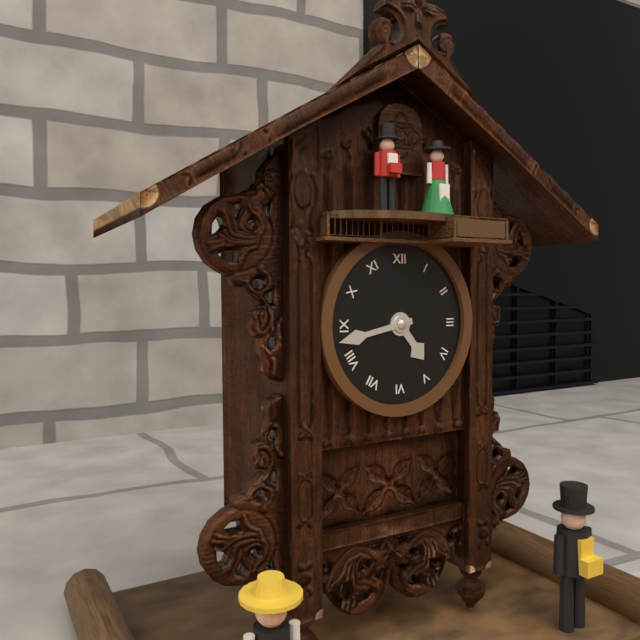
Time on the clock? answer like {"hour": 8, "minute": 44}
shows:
{"hour": 4, "minute": 43}
